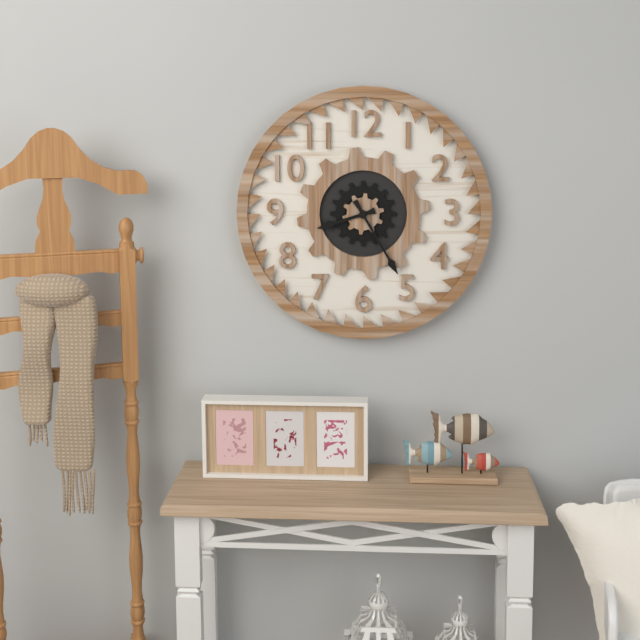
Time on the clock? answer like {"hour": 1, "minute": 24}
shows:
{"hour": 8, "minute": 25}
